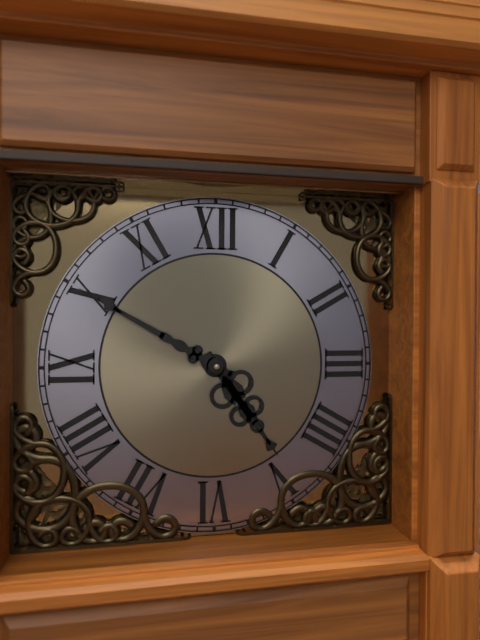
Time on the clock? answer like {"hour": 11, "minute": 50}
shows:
{"hour": 4, "minute": 50}
